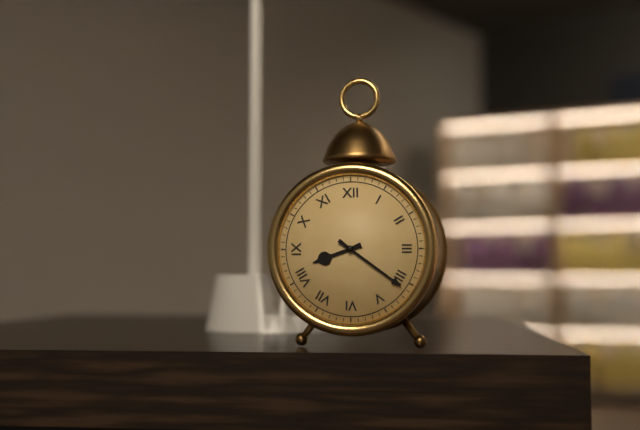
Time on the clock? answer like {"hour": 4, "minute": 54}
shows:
{"hour": 8, "minute": 21}
